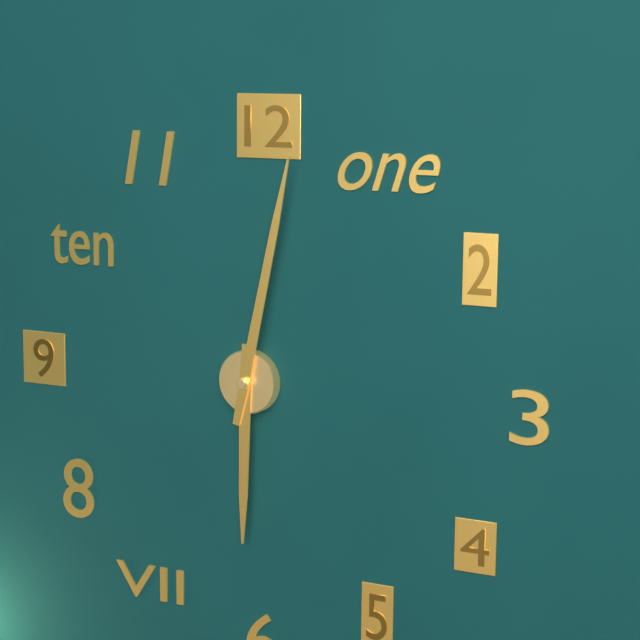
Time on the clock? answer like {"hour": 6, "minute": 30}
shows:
{"hour": 6, "minute": 2}
